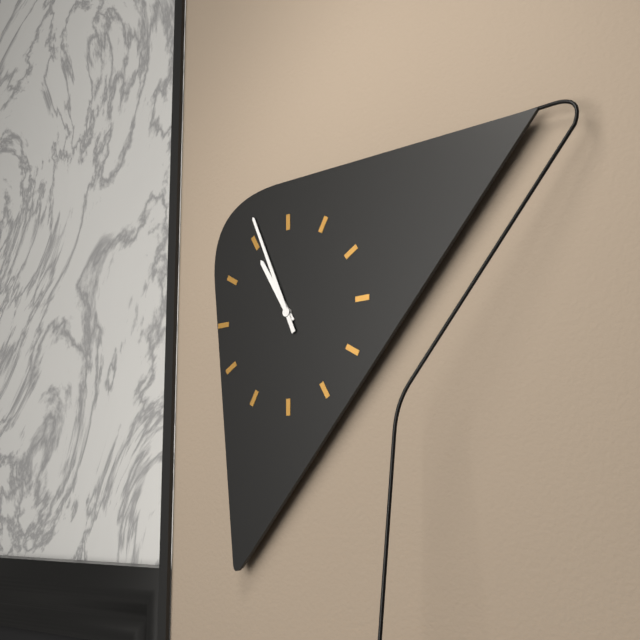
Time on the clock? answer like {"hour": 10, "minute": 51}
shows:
{"hour": 10, "minute": 56}
